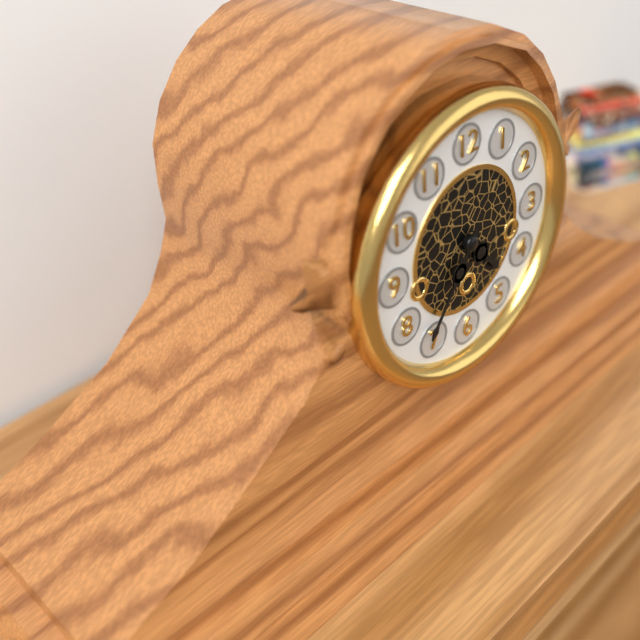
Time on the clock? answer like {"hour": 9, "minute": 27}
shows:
{"hour": 4, "minute": 36}
